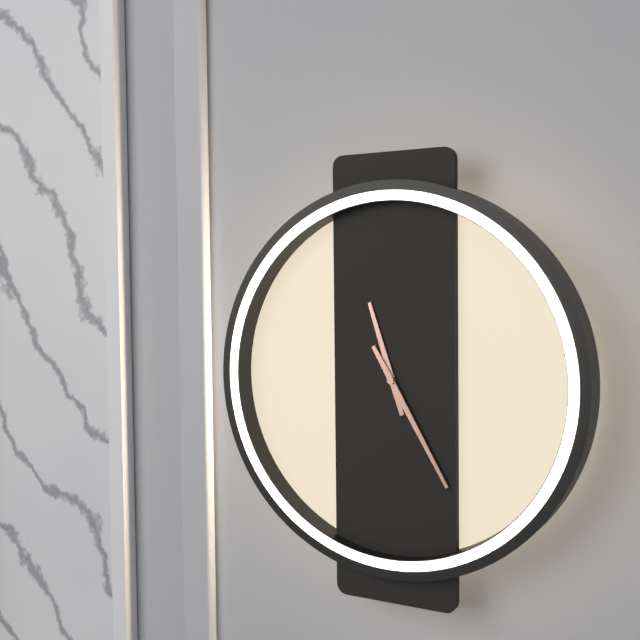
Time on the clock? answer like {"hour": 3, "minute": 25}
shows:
{"hour": 11, "minute": 25}
